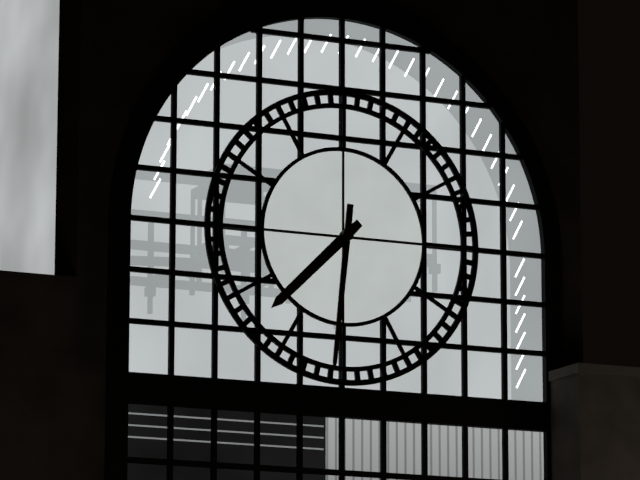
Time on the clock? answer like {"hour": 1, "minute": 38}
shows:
{"hour": 7, "minute": 31}
